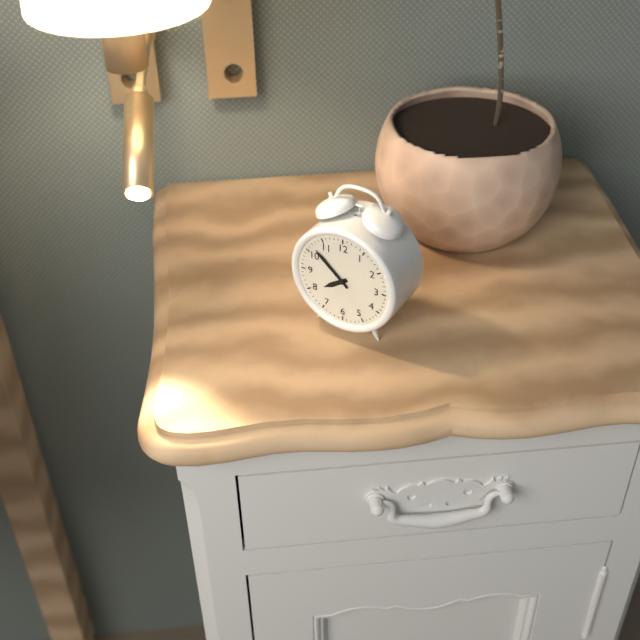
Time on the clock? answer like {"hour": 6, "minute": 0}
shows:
{"hour": 7, "minute": 52}
